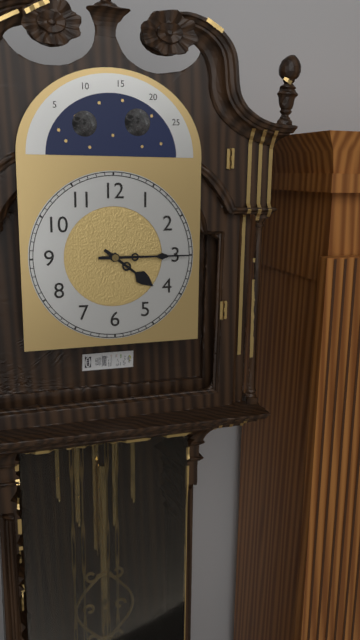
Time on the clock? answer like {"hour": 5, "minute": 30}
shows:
{"hour": 4, "minute": 15}
